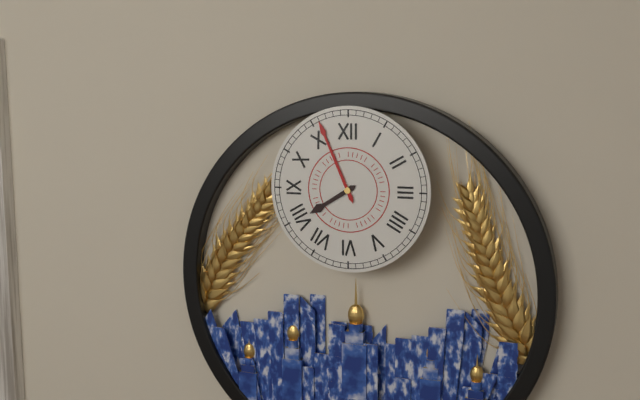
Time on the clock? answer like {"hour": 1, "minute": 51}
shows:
{"hour": 7, "minute": 56}
